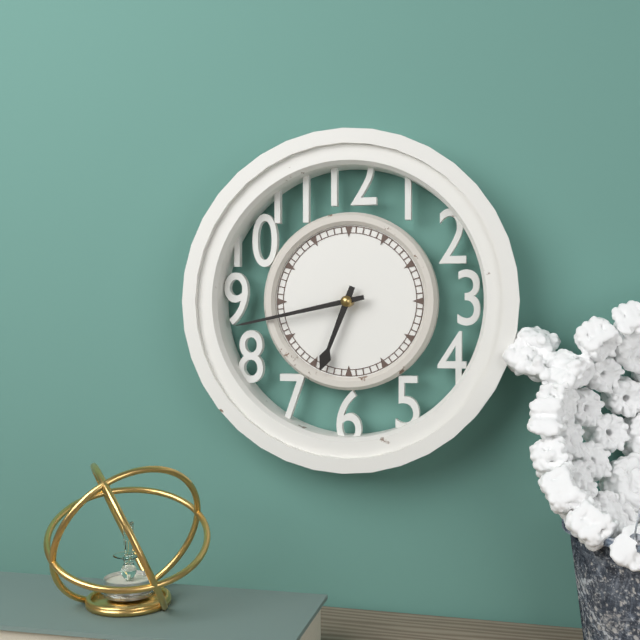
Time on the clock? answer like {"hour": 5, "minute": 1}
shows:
{"hour": 6, "minute": 43}
